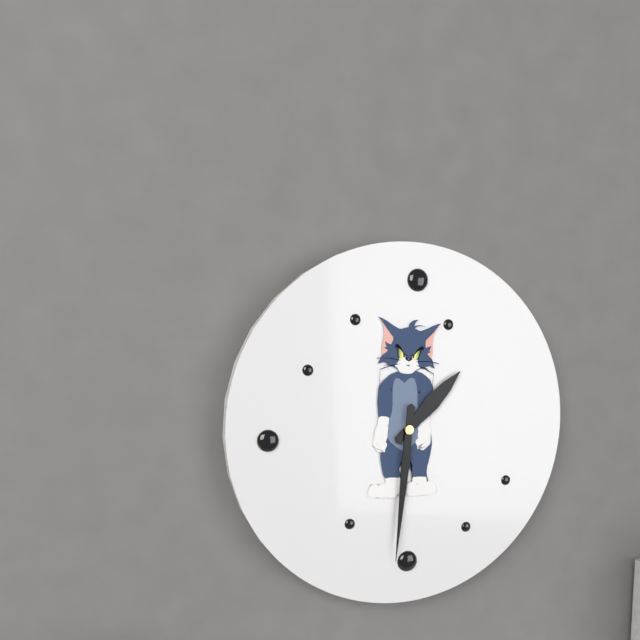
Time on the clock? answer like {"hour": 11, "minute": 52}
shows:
{"hour": 1, "minute": 31}
